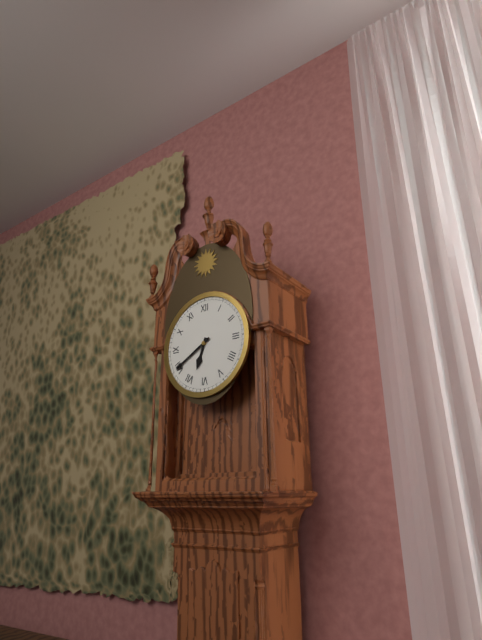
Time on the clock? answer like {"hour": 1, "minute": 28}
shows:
{"hour": 6, "minute": 40}
